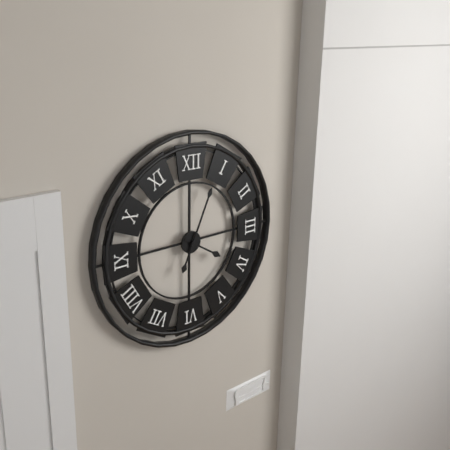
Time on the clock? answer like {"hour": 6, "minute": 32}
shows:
{"hour": 4, "minute": 4}
